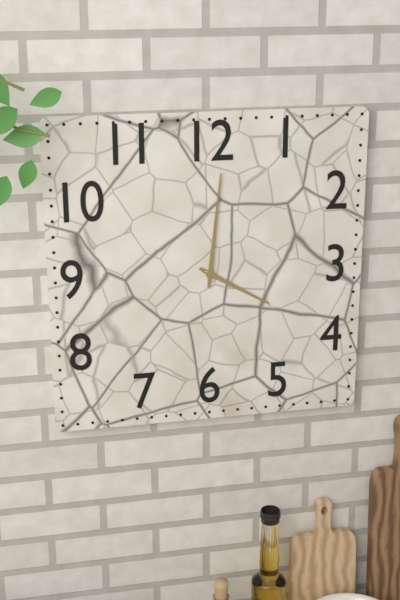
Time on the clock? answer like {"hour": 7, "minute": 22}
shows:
{"hour": 4, "minute": 1}
